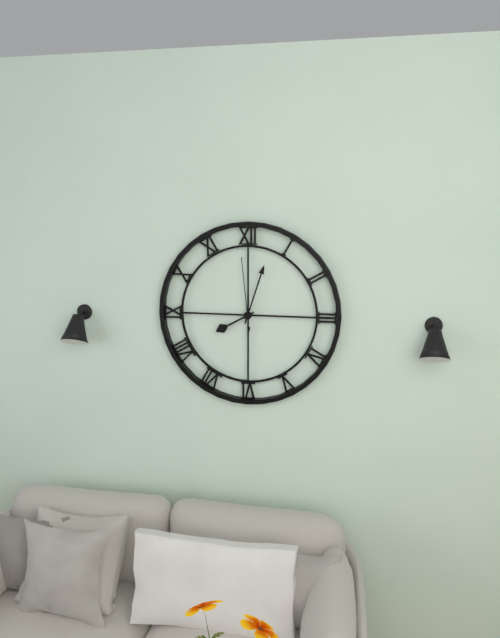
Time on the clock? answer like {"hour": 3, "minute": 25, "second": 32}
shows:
{"hour": 8, "minute": 3, "second": 59}
